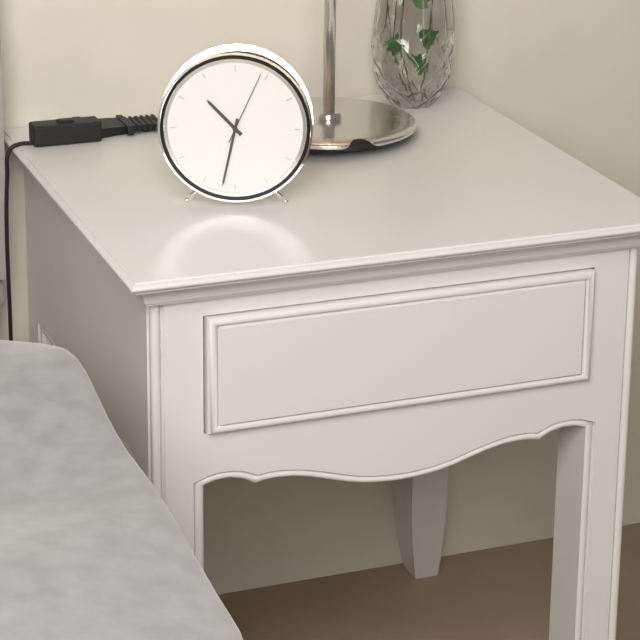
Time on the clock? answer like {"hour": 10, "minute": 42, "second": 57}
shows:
{"hour": 10, "minute": 32, "second": 4}
